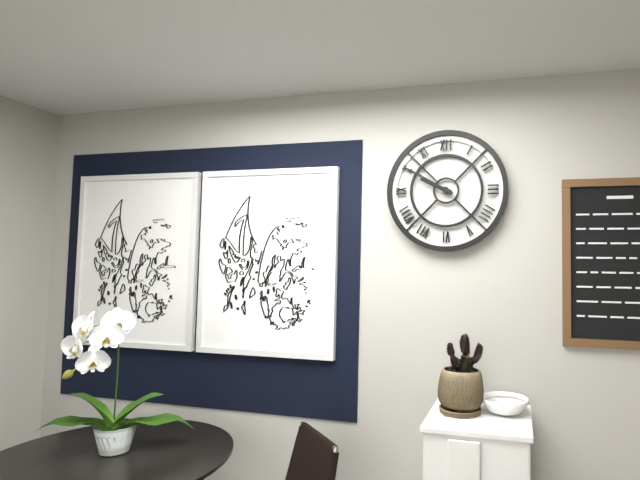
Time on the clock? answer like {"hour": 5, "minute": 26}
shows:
{"hour": 9, "minute": 50}
